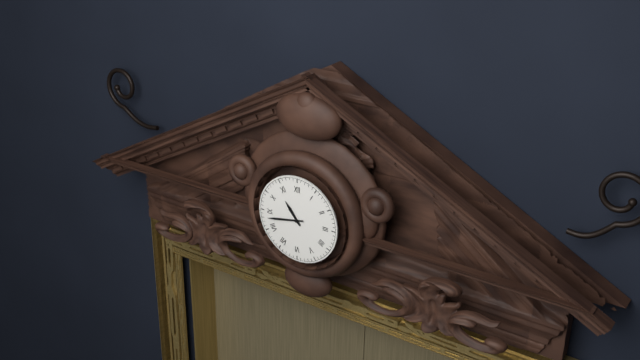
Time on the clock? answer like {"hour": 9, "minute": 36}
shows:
{"hour": 10, "minute": 43}
